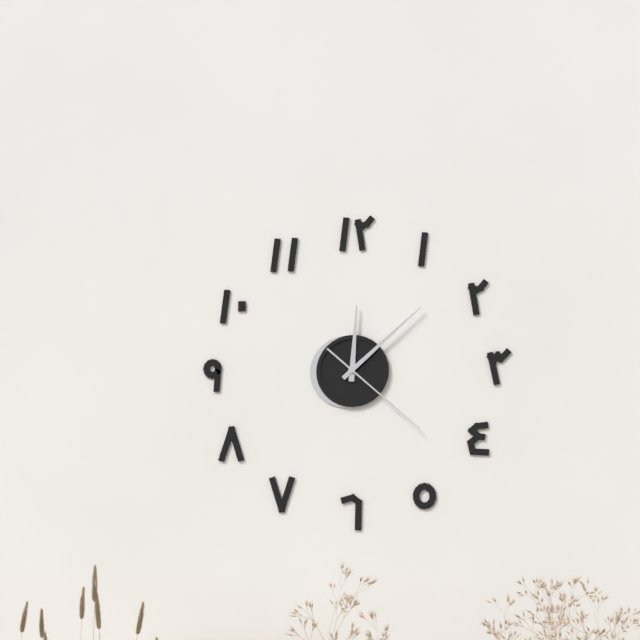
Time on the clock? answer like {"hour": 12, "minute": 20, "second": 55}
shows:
{"hour": 12, "minute": 8, "second": 22}
